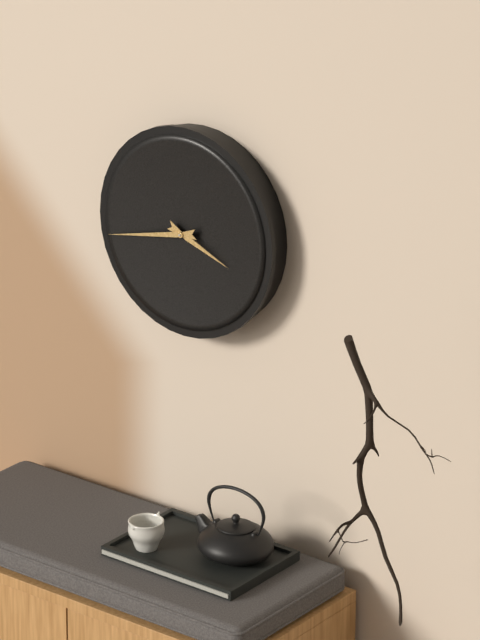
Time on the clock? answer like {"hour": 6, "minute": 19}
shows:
{"hour": 3, "minute": 43}
